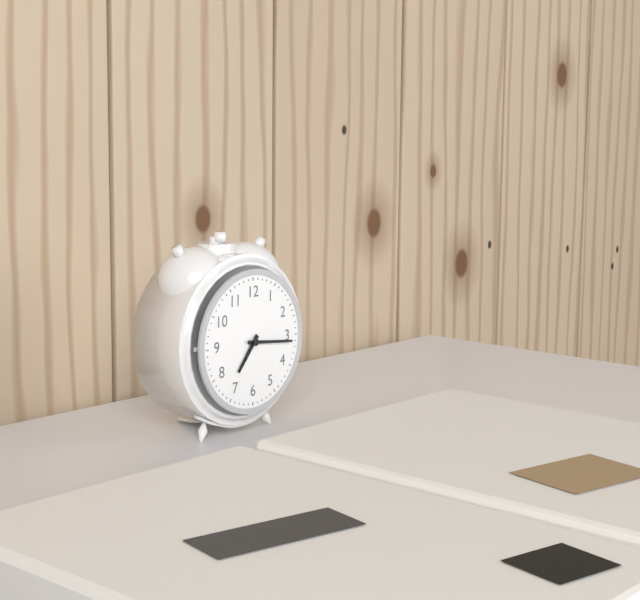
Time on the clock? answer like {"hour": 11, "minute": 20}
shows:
{"hour": 7, "minute": 16}
